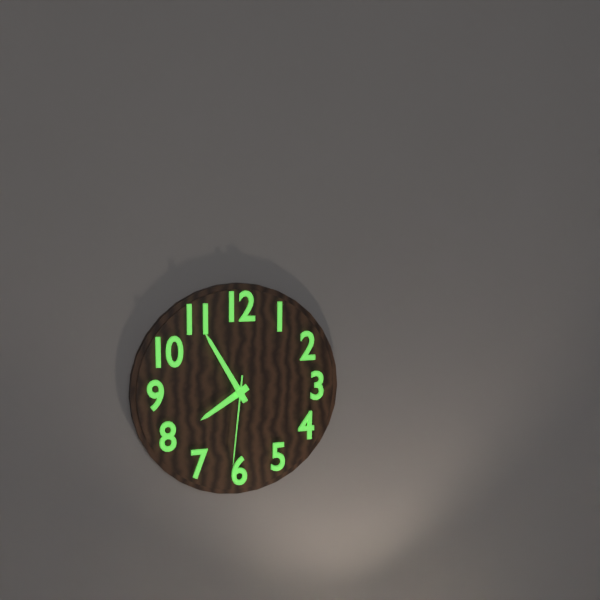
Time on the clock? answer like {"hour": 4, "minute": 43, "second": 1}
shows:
{"hour": 7, "minute": 55, "second": 31}
